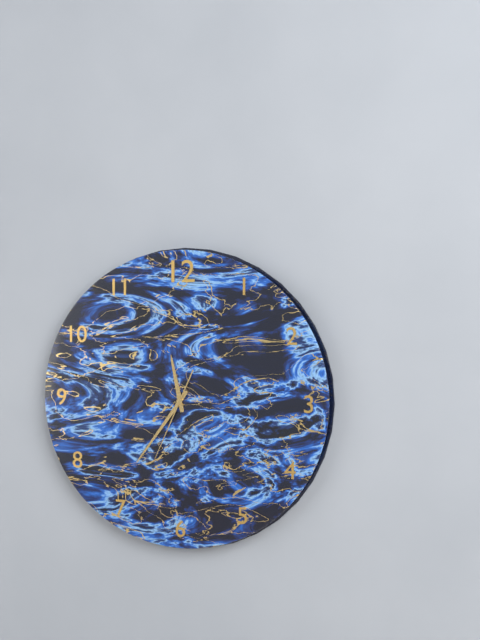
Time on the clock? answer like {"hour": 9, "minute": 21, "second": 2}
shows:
{"hour": 11, "minute": 36, "second": 34}
